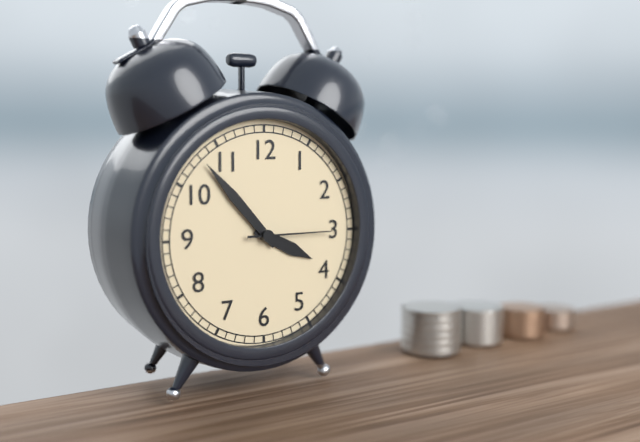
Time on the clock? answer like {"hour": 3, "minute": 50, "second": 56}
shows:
{"hour": 3, "minute": 53, "second": 15}
